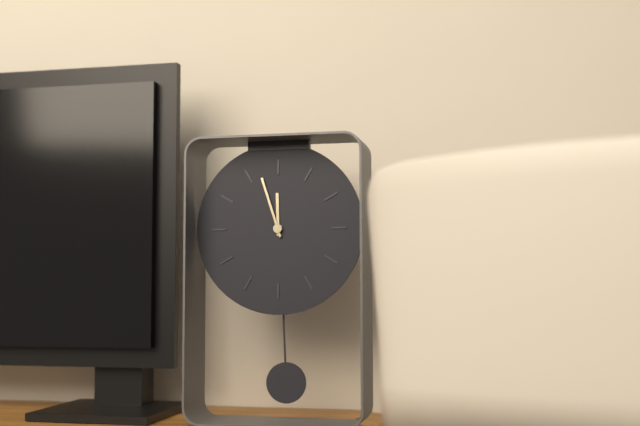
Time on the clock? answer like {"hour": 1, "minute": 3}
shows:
{"hour": 11, "minute": 57}
